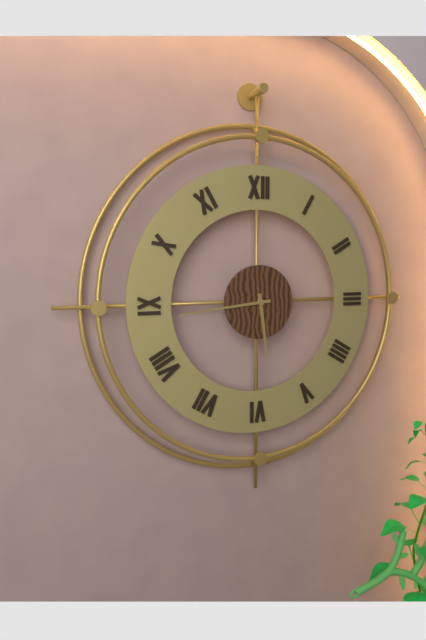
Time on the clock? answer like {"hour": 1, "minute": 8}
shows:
{"hour": 5, "minute": 44}
